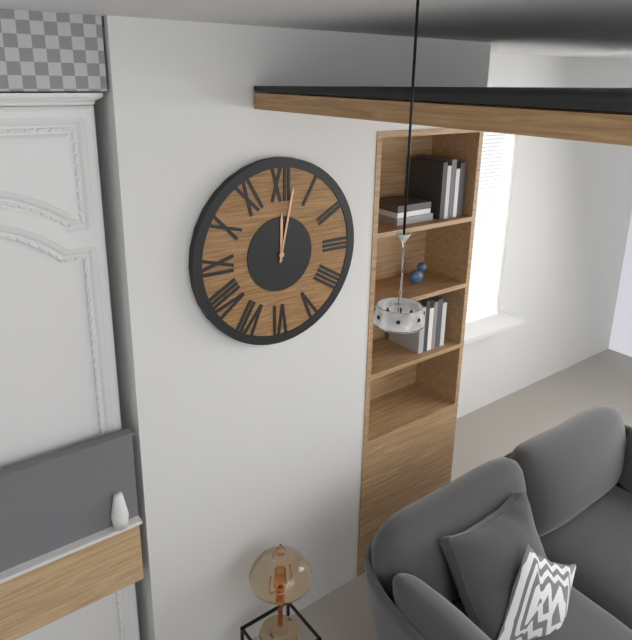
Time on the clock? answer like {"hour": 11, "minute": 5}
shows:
{"hour": 12, "minute": 2}
